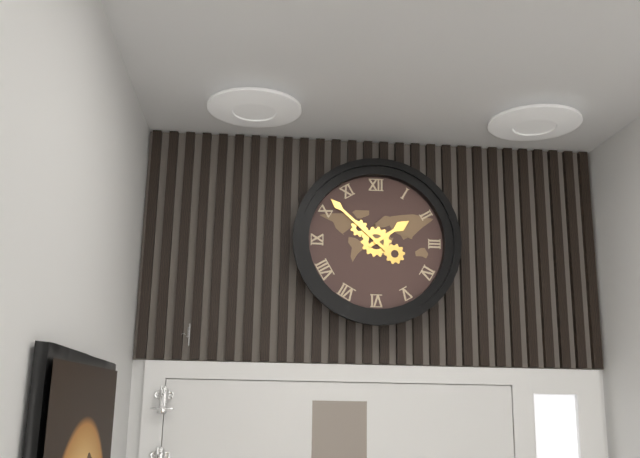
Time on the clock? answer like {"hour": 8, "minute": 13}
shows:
{"hour": 1, "minute": 52}
